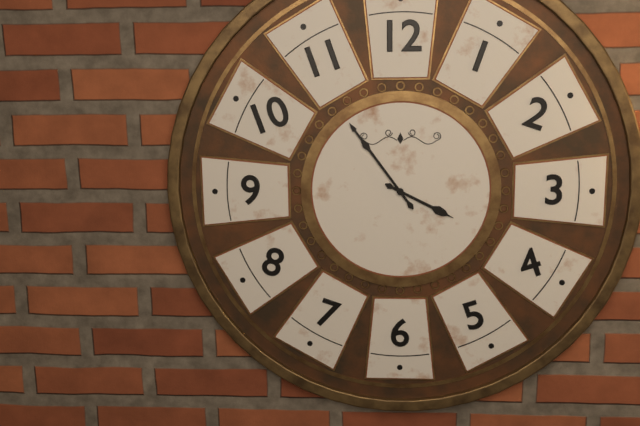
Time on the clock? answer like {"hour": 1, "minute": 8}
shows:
{"hour": 3, "minute": 54}
